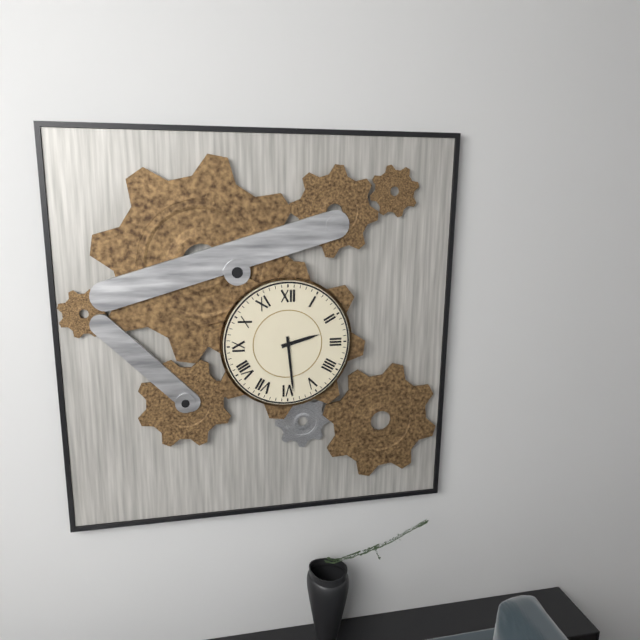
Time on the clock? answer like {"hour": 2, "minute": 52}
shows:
{"hour": 2, "minute": 29}
